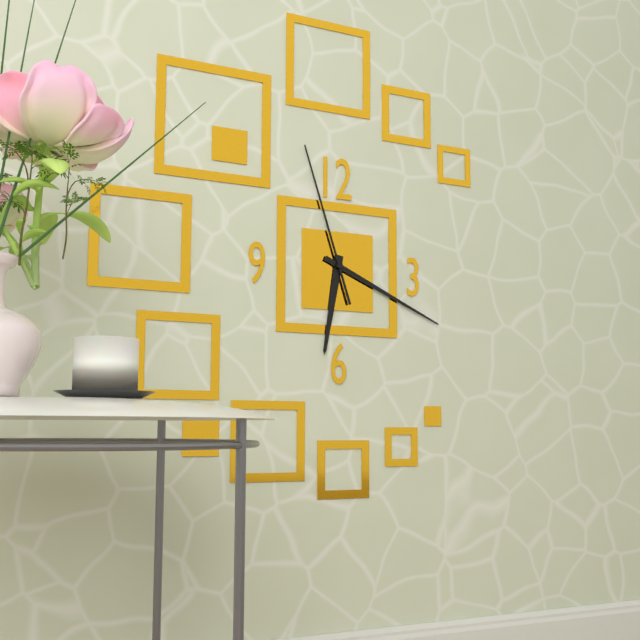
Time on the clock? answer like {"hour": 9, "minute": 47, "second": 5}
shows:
{"hour": 6, "minute": 19, "second": 57}
